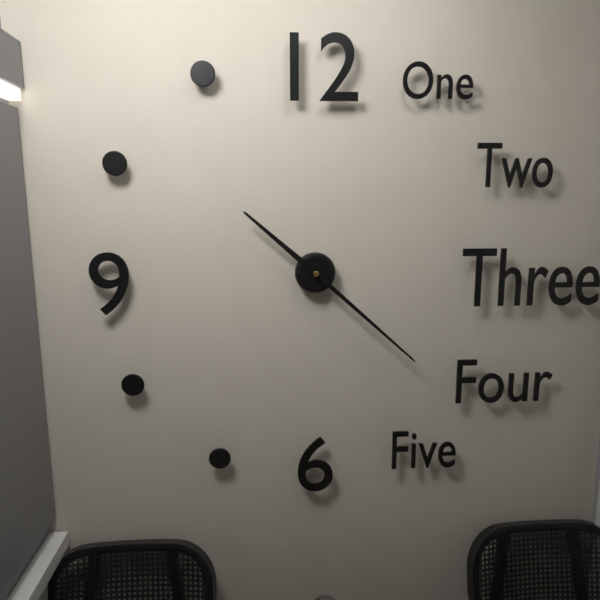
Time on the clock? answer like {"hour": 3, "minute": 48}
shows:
{"hour": 10, "minute": 22}
